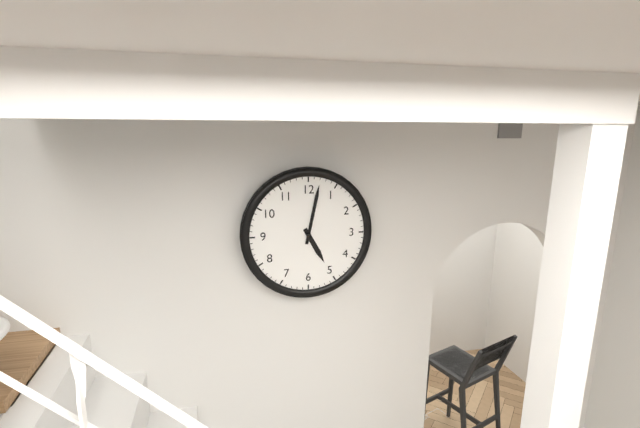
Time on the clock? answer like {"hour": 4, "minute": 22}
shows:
{"hour": 5, "minute": 2}
